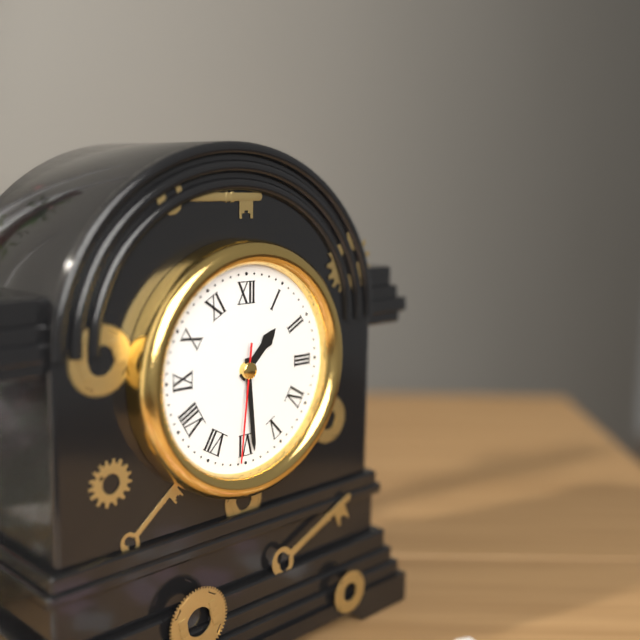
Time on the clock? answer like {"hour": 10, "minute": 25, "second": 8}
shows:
{"hour": 1, "minute": 29, "second": 31}
